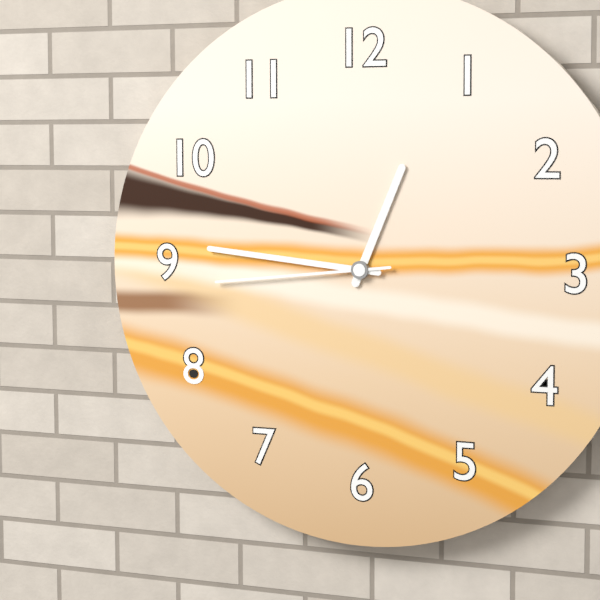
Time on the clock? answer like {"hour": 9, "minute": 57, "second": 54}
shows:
{"hour": 12, "minute": 46, "second": 44}
